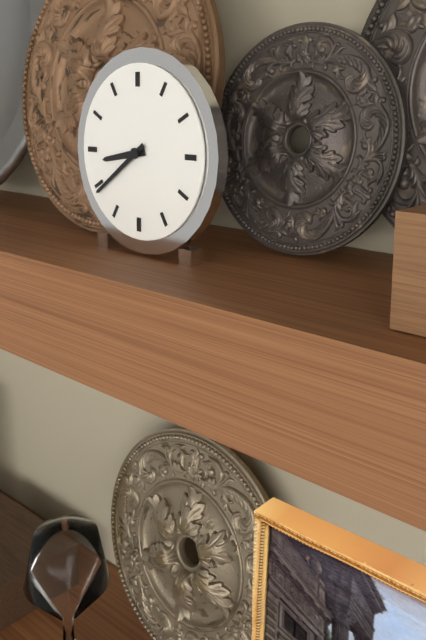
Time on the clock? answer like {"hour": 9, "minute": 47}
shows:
{"hour": 8, "minute": 39}
